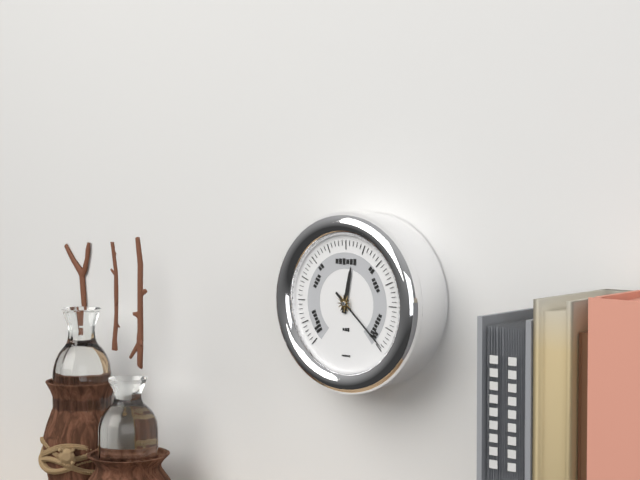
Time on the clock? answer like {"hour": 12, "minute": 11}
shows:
{"hour": 12, "minute": 22}
